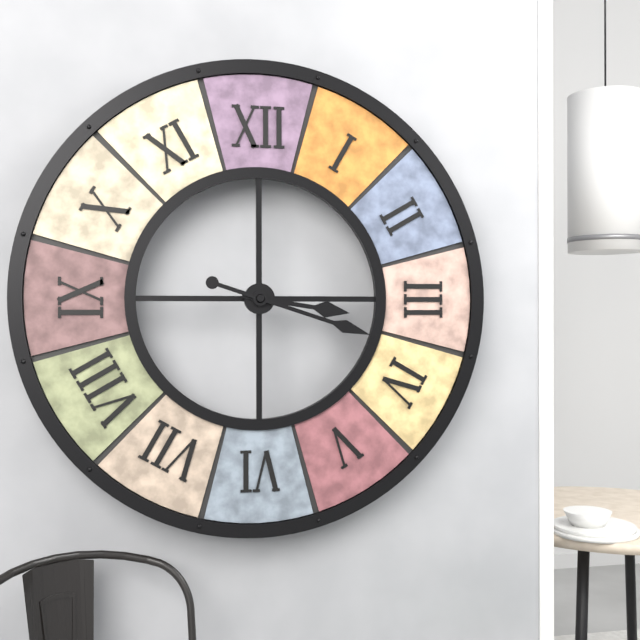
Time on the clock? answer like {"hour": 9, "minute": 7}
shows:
{"hour": 3, "minute": 18}
